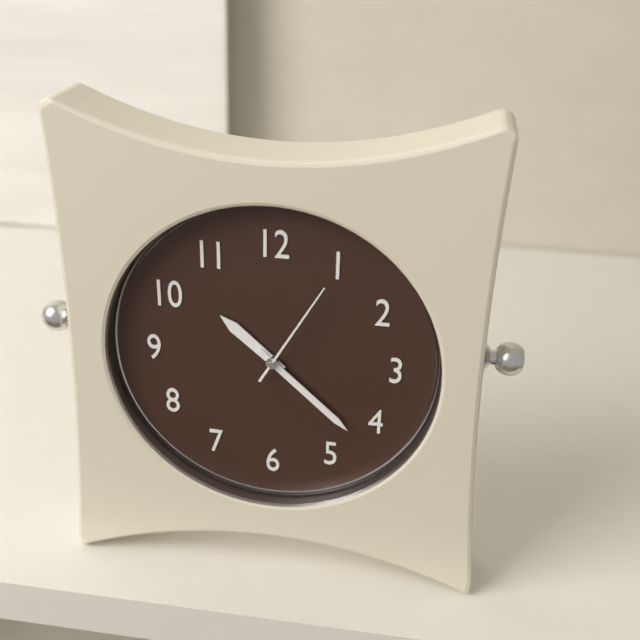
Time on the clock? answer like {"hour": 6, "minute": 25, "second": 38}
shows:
{"hour": 10, "minute": 22, "second": 5}
